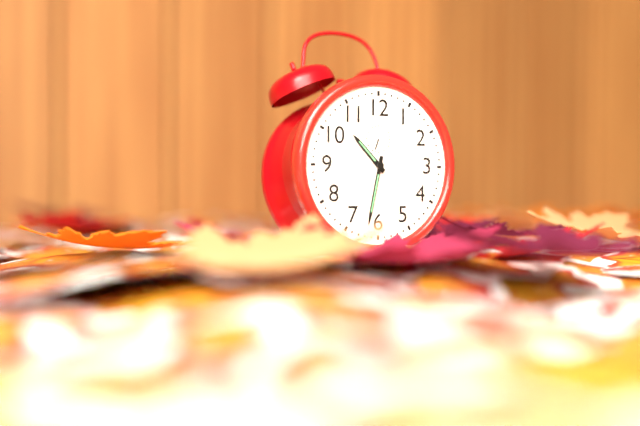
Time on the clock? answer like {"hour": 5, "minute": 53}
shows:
{"hour": 10, "minute": 32}
